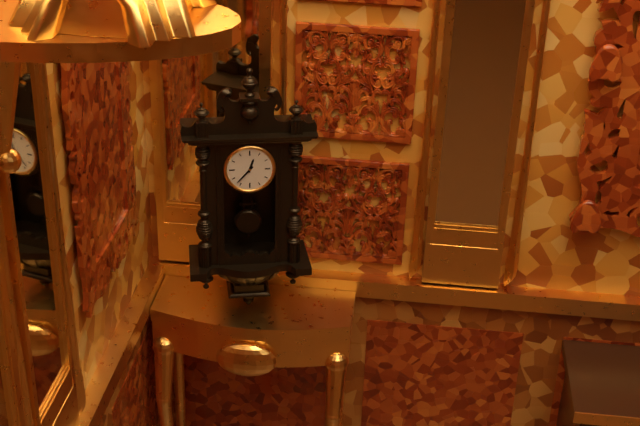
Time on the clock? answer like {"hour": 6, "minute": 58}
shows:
{"hour": 12, "minute": 37}
